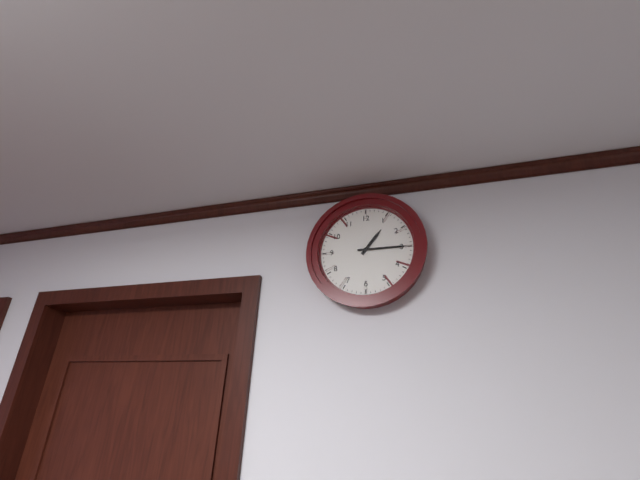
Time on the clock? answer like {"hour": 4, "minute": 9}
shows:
{"hour": 1, "minute": 15}
